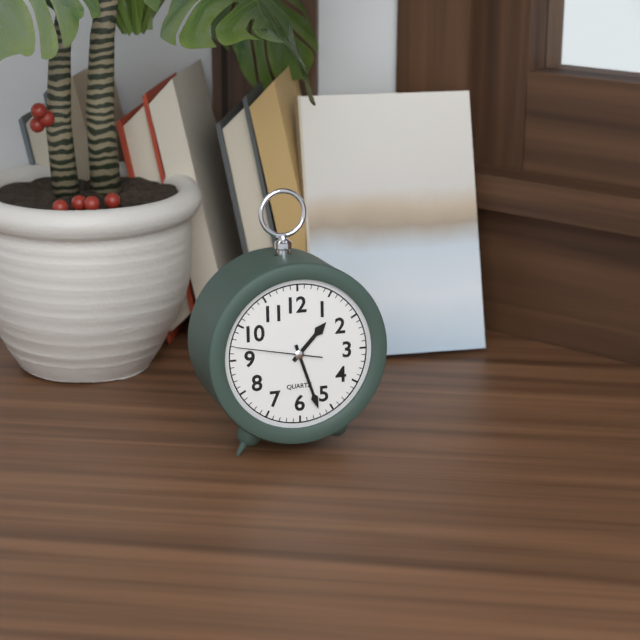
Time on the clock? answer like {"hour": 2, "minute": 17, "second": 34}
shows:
{"hour": 1, "minute": 27, "second": 47}
